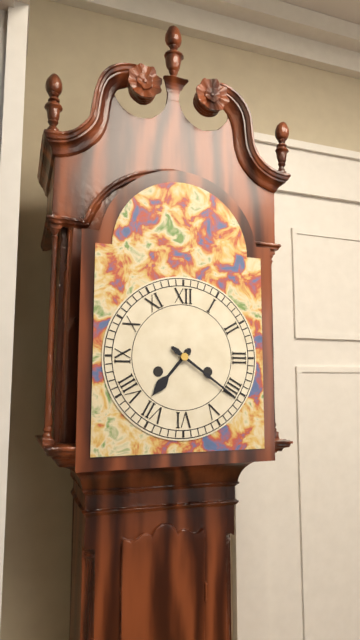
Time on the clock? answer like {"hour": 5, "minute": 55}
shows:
{"hour": 7, "minute": 21}
